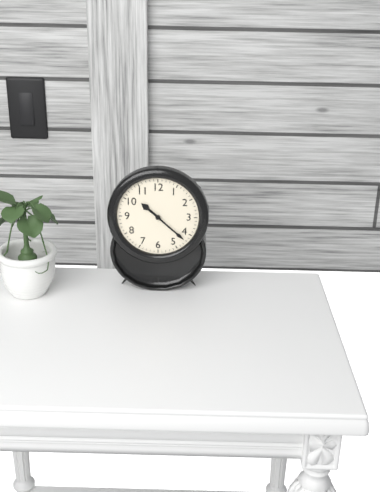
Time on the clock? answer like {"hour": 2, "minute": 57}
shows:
{"hour": 10, "minute": 22}
